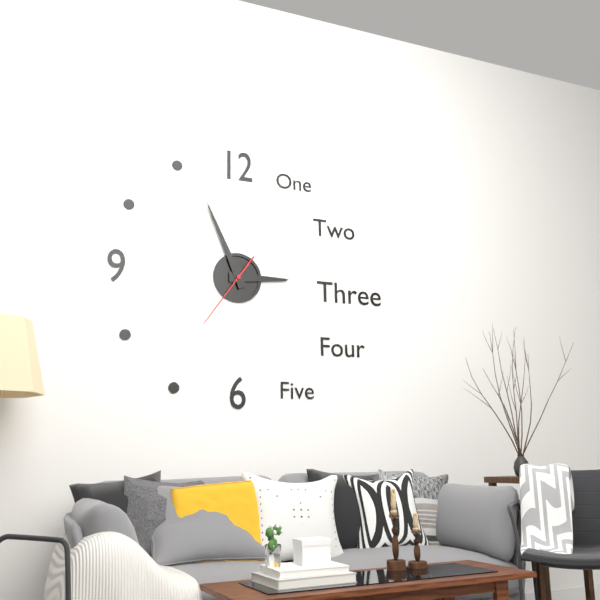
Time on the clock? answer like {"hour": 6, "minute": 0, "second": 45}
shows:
{"hour": 2, "minute": 56, "second": 36}
